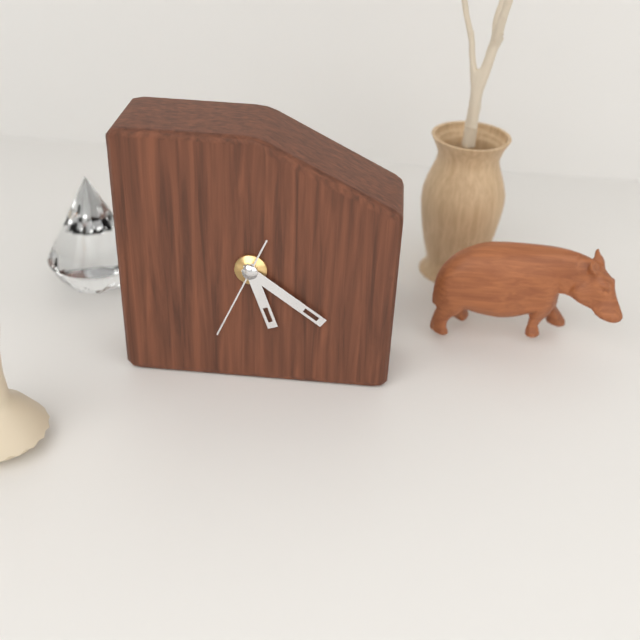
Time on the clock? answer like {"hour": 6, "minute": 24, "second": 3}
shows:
{"hour": 5, "minute": 21, "second": 34}
